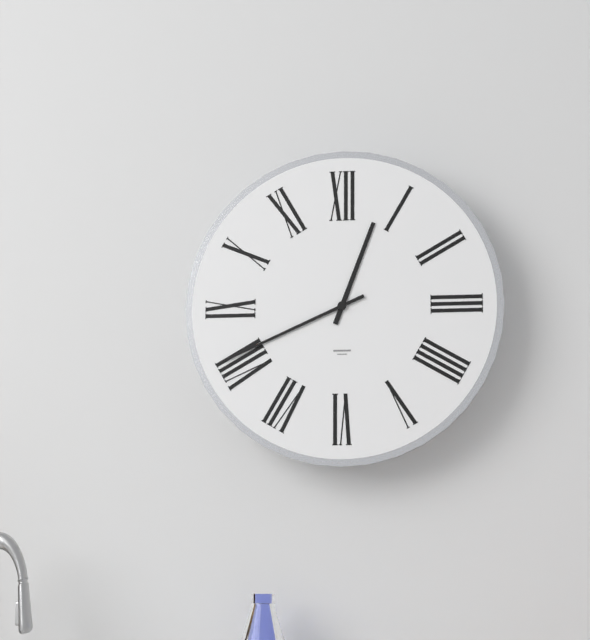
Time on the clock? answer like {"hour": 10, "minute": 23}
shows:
{"hour": 12, "minute": 41}
